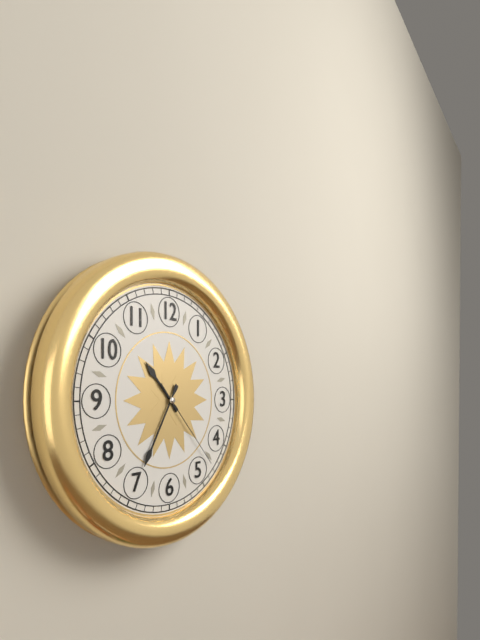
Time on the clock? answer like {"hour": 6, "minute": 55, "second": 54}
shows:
{"hour": 10, "minute": 35, "second": 23}
